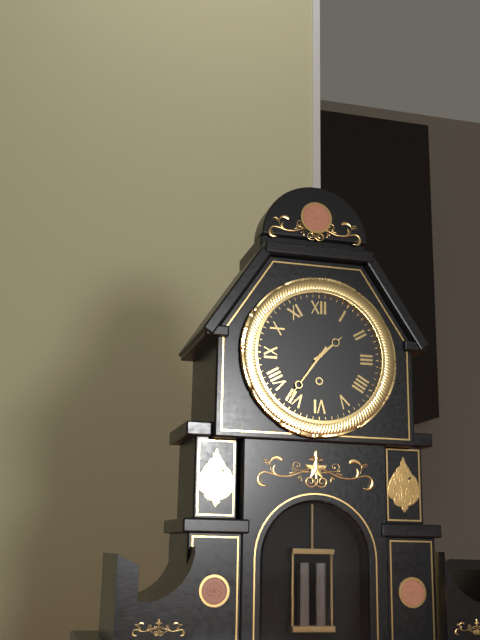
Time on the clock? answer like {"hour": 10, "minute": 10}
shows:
{"hour": 1, "minute": 36}
